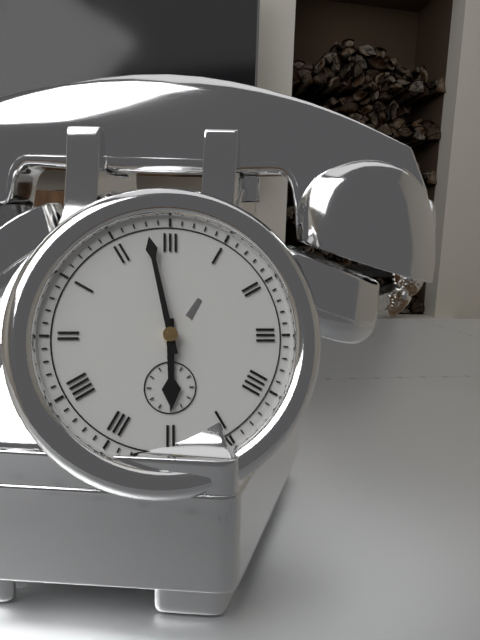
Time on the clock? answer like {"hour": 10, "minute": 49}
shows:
{"hour": 5, "minute": 58}
